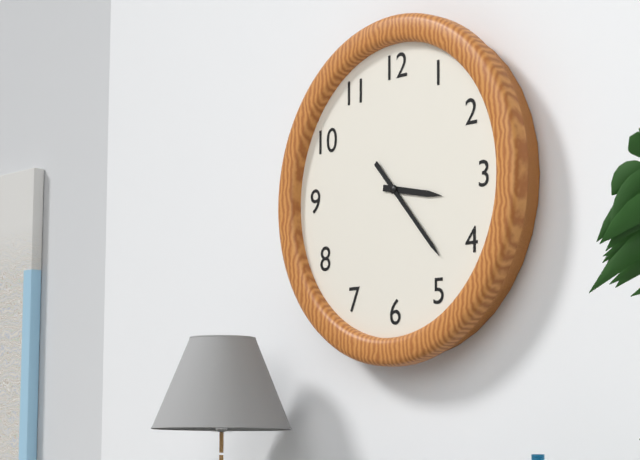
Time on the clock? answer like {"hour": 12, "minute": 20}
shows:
{"hour": 3, "minute": 23}
